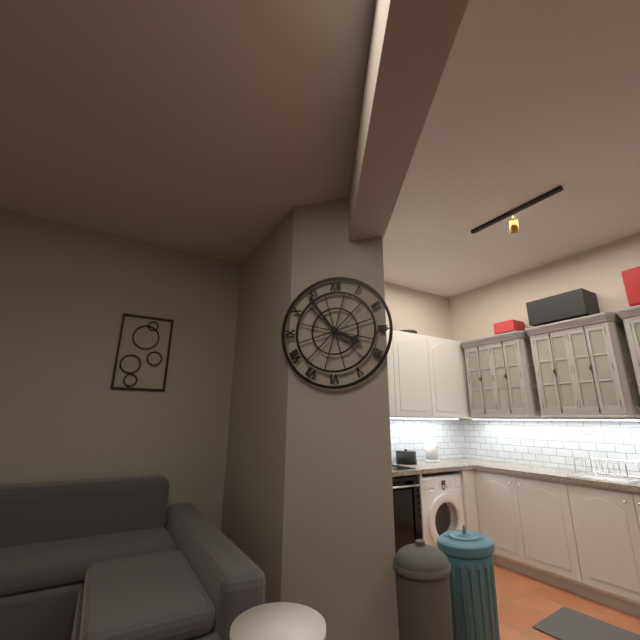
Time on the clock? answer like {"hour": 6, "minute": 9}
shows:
{"hour": 3, "minute": 54}
